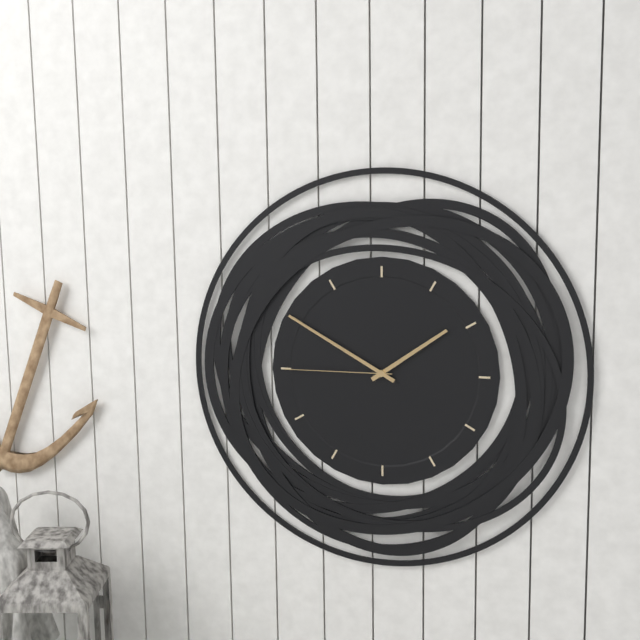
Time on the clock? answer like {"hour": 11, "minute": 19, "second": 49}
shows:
{"hour": 1, "minute": 50, "second": 45}
